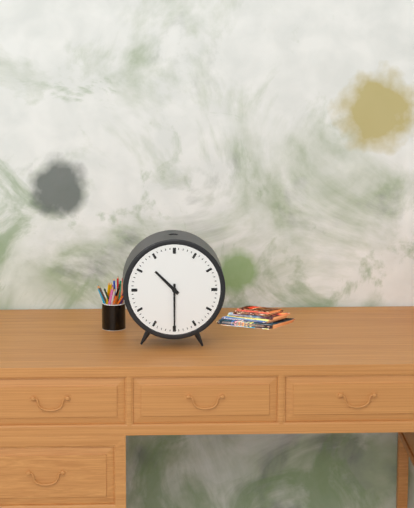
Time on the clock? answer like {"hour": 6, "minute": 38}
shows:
{"hour": 10, "minute": 30}
